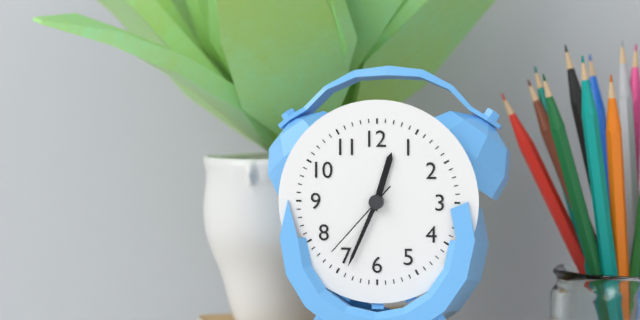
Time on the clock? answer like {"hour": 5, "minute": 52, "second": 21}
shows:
{"hour": 12, "minute": 34, "second": 37}
